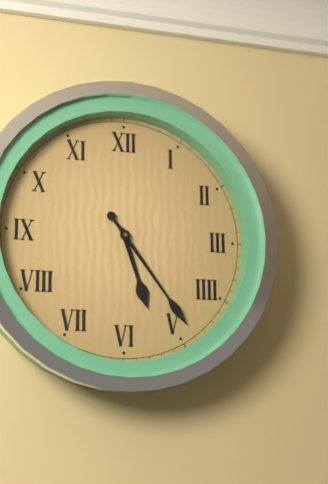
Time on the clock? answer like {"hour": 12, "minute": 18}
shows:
{"hour": 5, "minute": 24}
